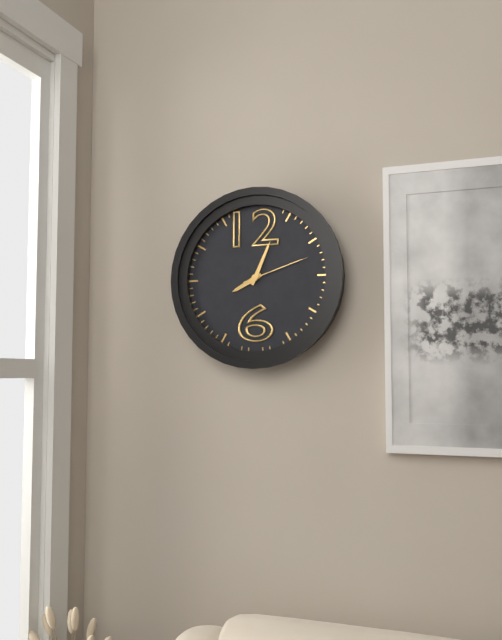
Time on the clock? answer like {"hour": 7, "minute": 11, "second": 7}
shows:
{"hour": 8, "minute": 4, "second": 12}
